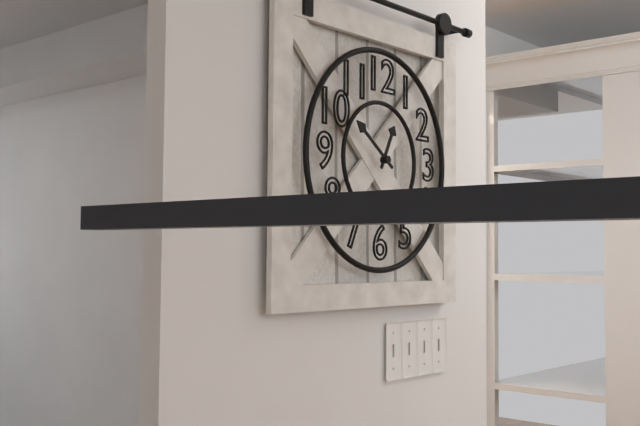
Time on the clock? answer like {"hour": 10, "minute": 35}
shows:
{"hour": 12, "minute": 51}
